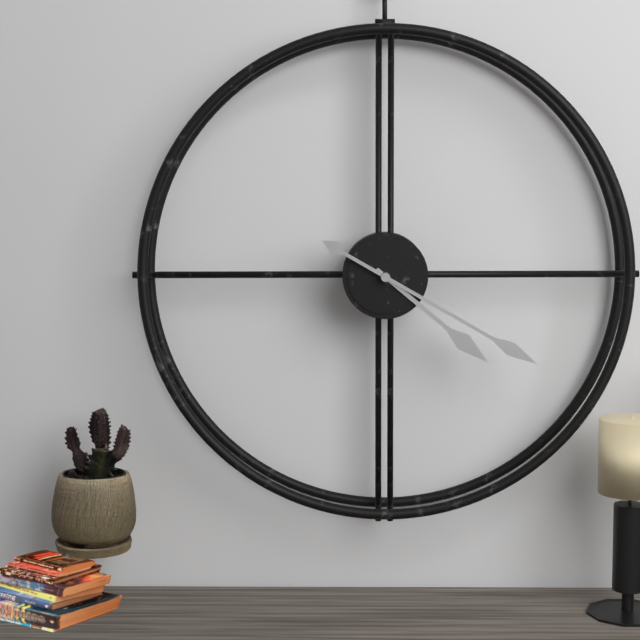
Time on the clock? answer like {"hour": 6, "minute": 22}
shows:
{"hour": 4, "minute": 20}
